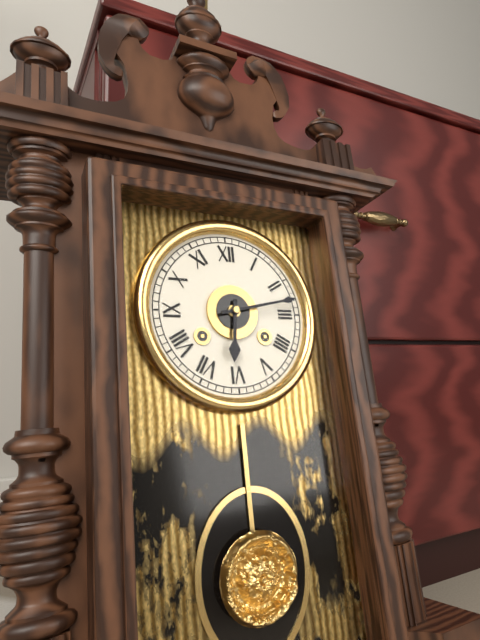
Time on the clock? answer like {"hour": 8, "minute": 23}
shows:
{"hour": 6, "minute": 13}
